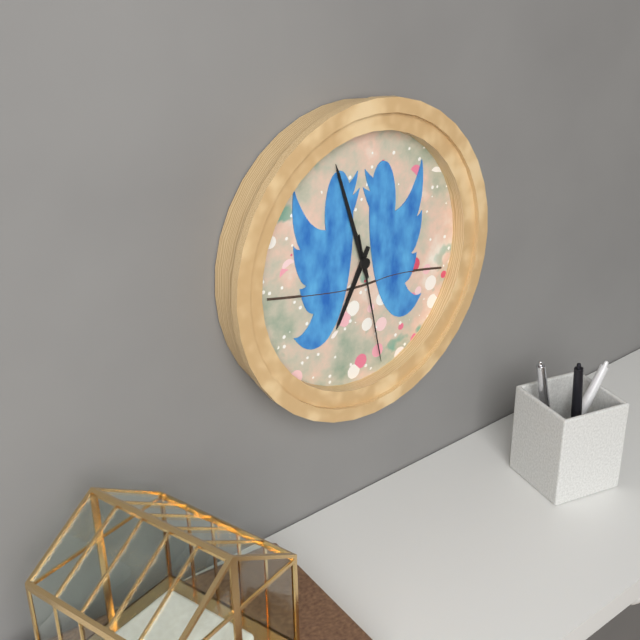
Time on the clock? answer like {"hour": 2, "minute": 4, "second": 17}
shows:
{"hour": 6, "minute": 57, "second": 28}
